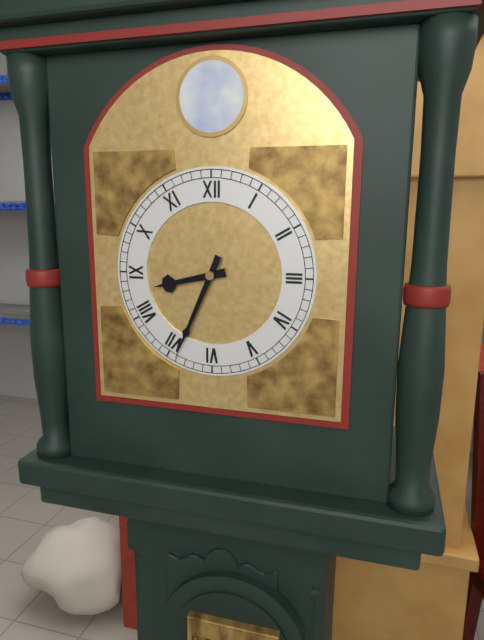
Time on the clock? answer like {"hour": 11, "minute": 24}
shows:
{"hour": 8, "minute": 34}
